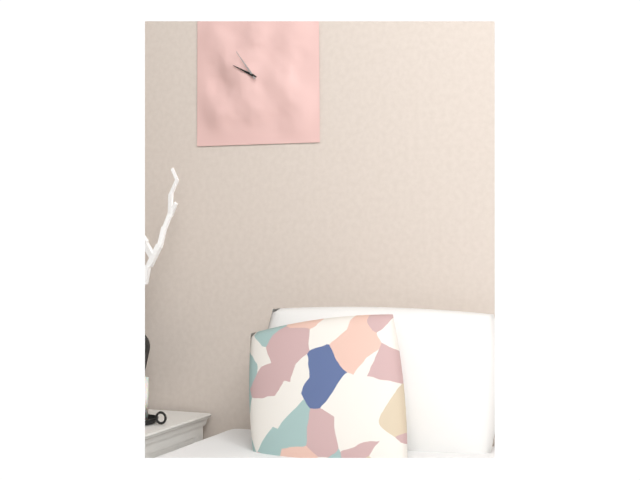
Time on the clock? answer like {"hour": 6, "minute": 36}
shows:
{"hour": 9, "minute": 54}
